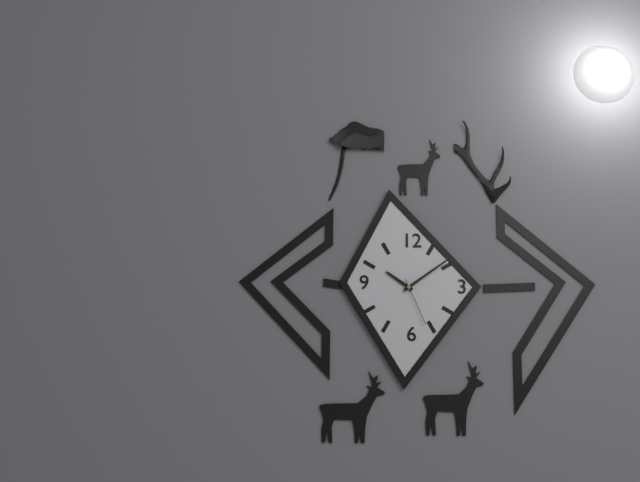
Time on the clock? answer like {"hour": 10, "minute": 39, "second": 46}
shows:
{"hour": 10, "minute": 9, "second": 26}
